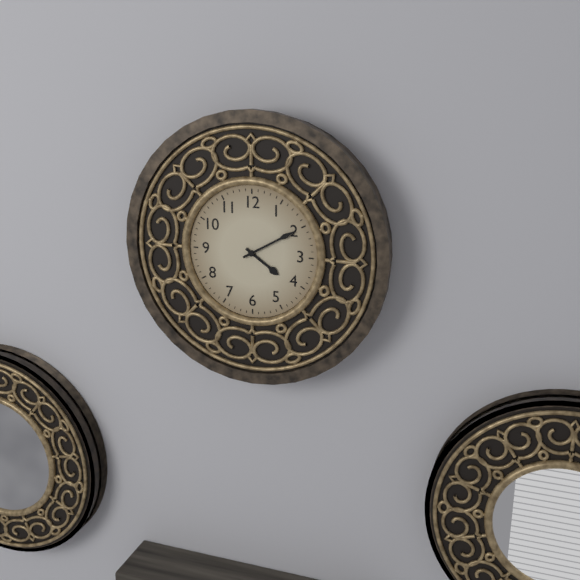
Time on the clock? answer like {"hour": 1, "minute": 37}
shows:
{"hour": 4, "minute": 10}
